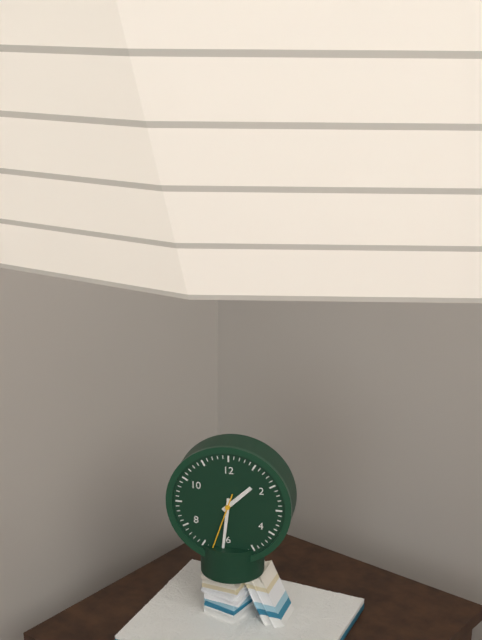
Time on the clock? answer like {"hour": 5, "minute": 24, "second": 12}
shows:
{"hour": 1, "minute": 31, "second": 33}
